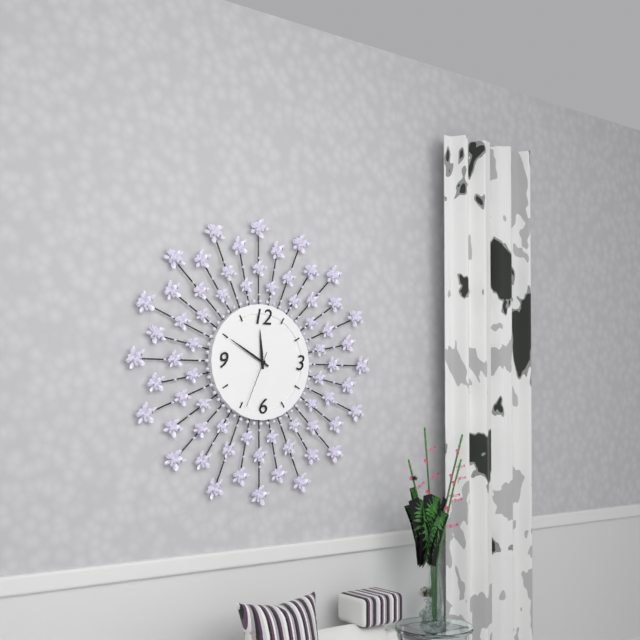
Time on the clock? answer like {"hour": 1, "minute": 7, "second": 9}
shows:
{"hour": 11, "minute": 50, "second": 34}
